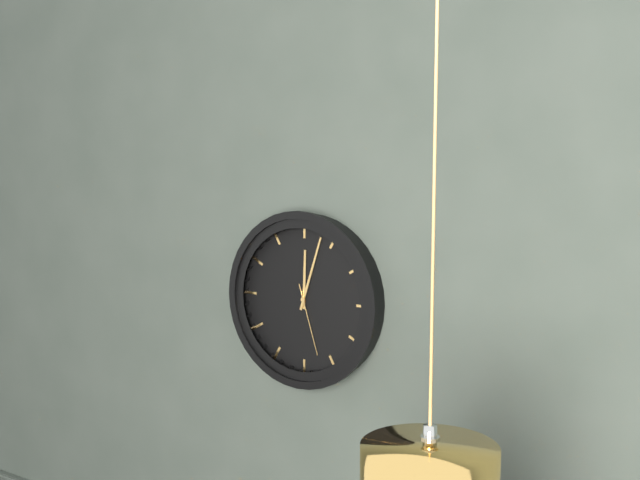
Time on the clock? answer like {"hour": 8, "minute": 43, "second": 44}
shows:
{"hour": 12, "minute": 3, "second": 27}
